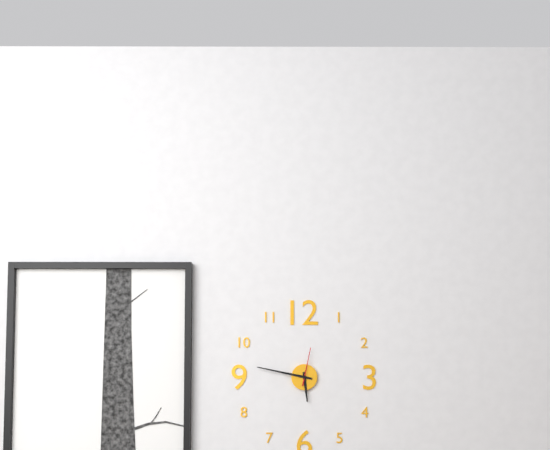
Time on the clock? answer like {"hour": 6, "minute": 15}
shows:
{"hour": 5, "minute": 47}
